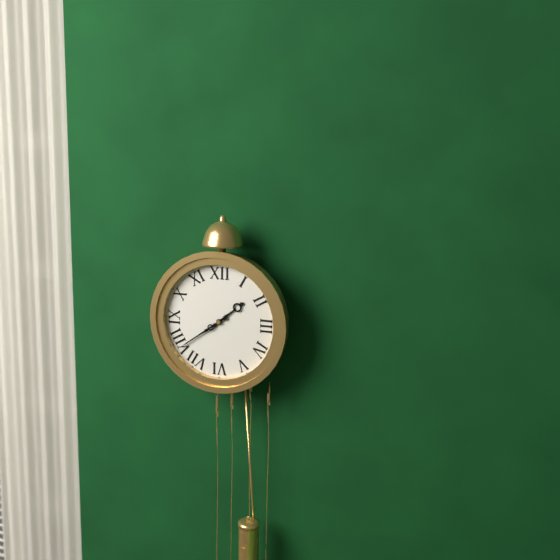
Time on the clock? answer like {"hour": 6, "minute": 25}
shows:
{"hour": 1, "minute": 39}
